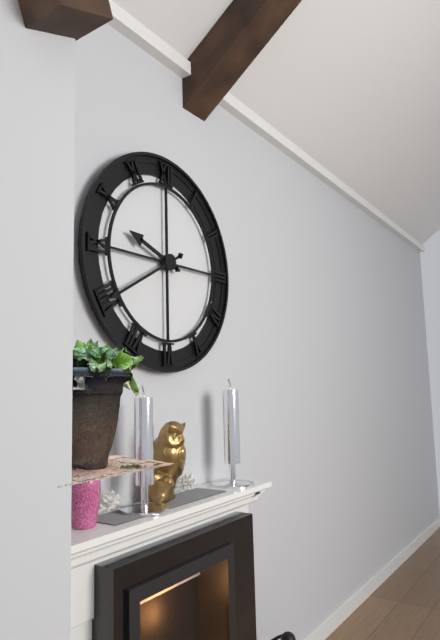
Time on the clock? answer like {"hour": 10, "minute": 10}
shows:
{"hour": 9, "minute": 40}
